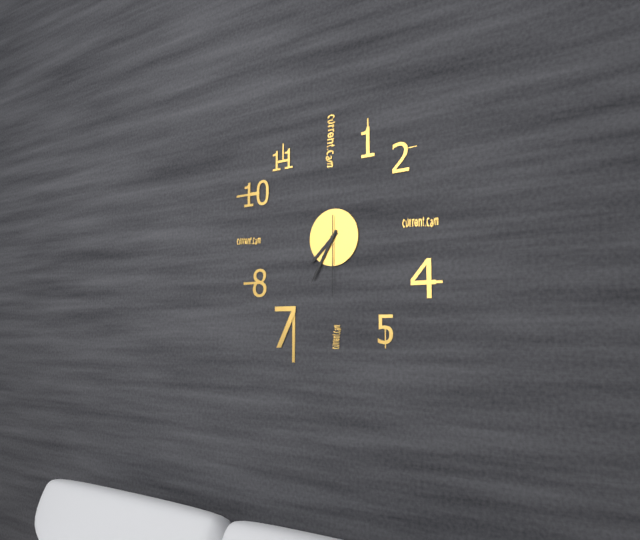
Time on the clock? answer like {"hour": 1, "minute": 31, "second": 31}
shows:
{"hour": 7, "minute": 35, "second": 30}
